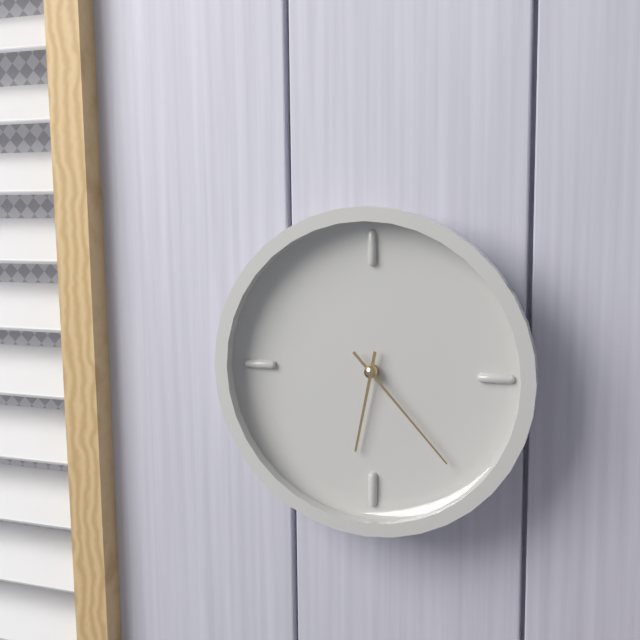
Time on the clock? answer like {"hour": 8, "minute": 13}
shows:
{"hour": 6, "minute": 23}
